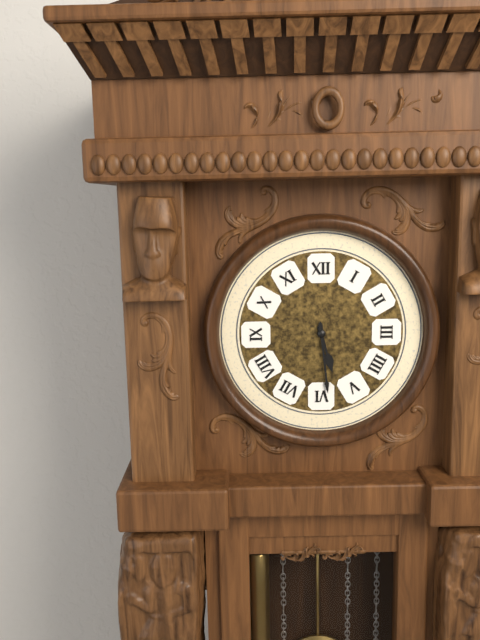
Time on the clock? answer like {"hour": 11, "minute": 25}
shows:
{"hour": 5, "minute": 29}
